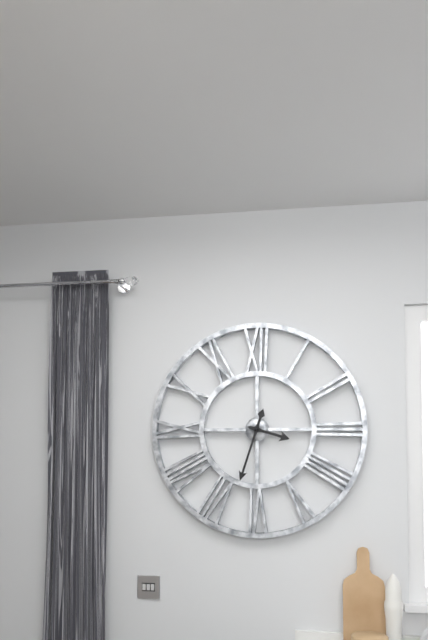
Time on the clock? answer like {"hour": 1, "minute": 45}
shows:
{"hour": 3, "minute": 33}
